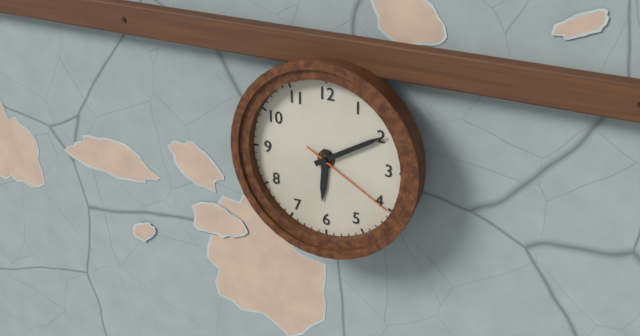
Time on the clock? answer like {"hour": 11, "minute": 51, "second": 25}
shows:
{"hour": 6, "minute": 10, "second": 20}
